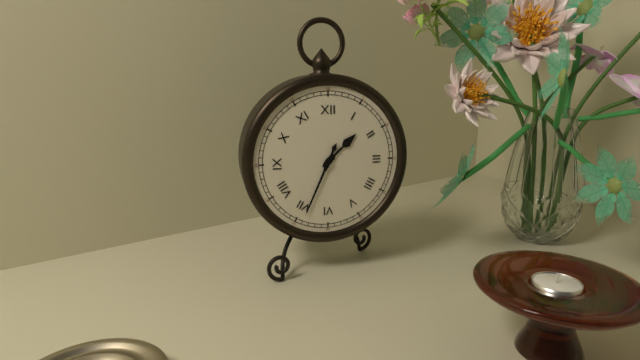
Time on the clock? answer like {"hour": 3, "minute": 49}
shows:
{"hour": 1, "minute": 34}
